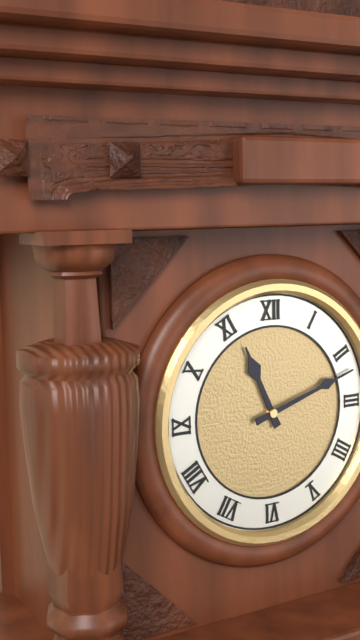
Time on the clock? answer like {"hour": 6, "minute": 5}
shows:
{"hour": 11, "minute": 12}
